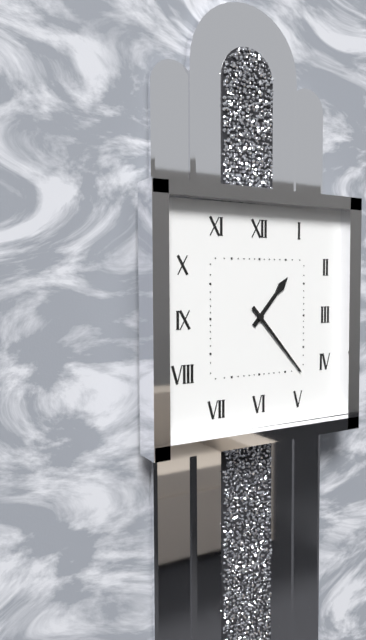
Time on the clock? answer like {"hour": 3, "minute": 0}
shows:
{"hour": 1, "minute": 23}
